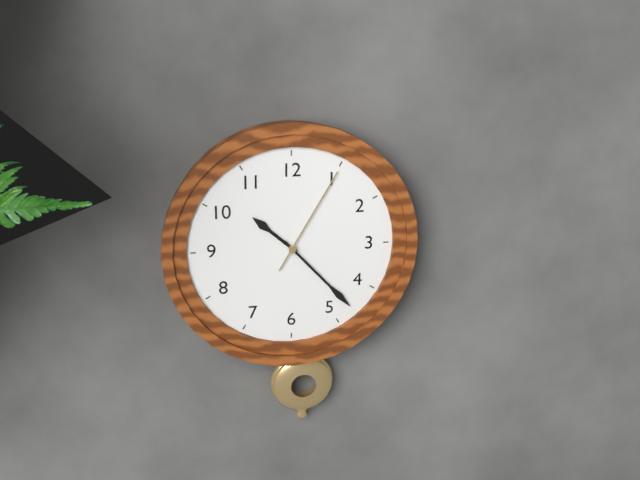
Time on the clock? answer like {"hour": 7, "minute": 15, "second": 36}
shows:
{"hour": 10, "minute": 23, "second": 5}
